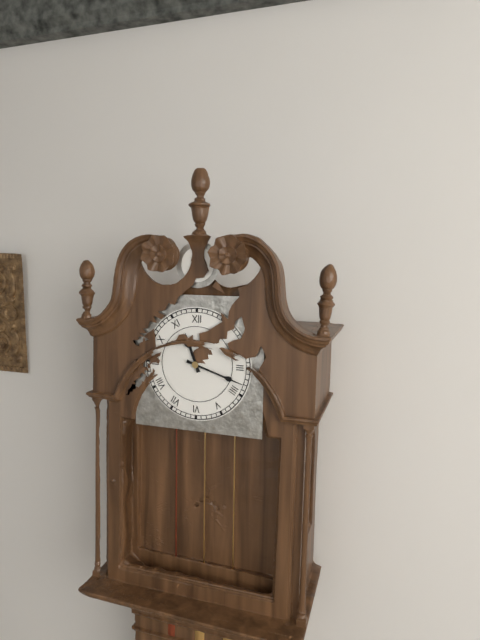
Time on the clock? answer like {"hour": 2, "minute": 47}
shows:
{"hour": 11, "minute": 18}
